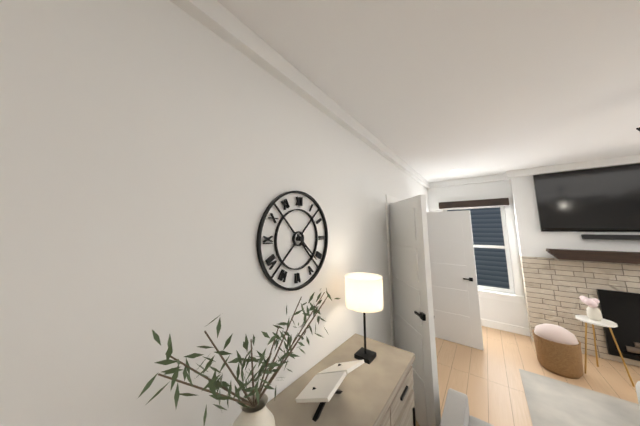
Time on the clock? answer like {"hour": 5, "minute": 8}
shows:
{"hour": 4, "minute": 22}
